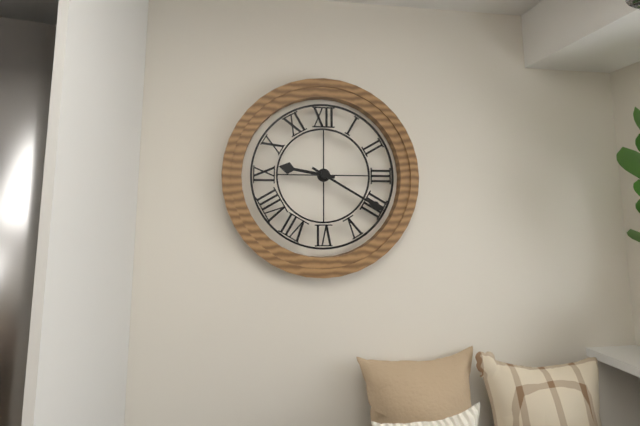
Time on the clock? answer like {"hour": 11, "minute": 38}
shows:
{"hour": 9, "minute": 20}
